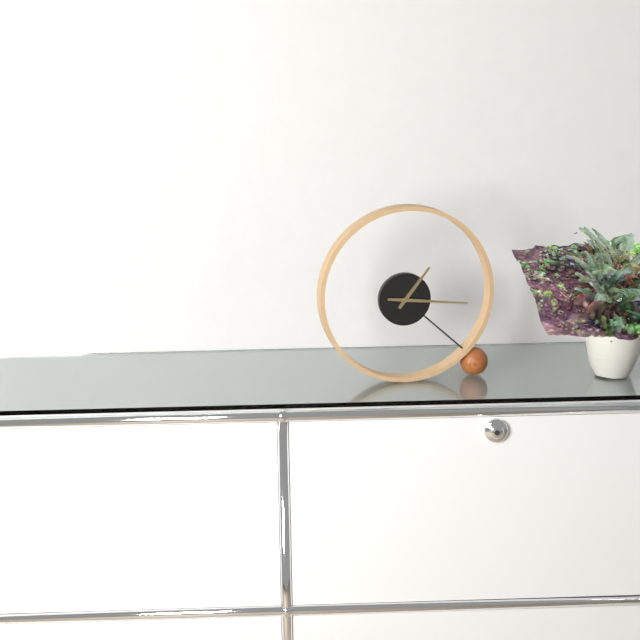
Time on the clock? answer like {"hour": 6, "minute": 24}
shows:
{"hour": 1, "minute": 16}
